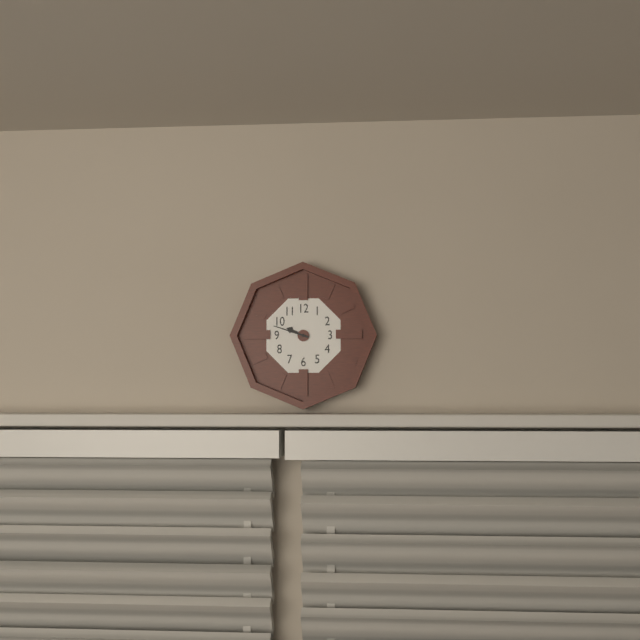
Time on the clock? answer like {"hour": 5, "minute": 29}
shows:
{"hour": 9, "minute": 48}
